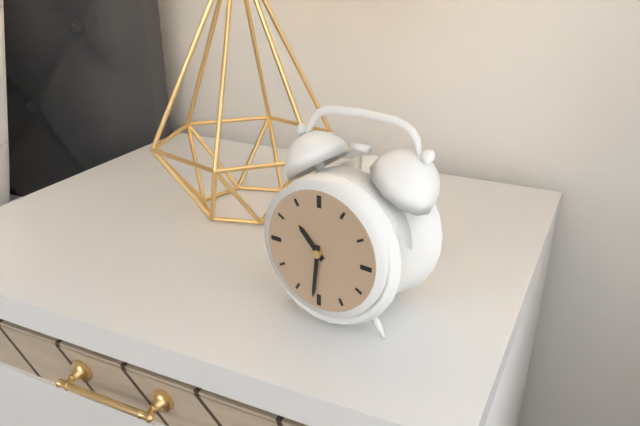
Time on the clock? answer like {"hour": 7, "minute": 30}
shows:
{"hour": 10, "minute": 31}
